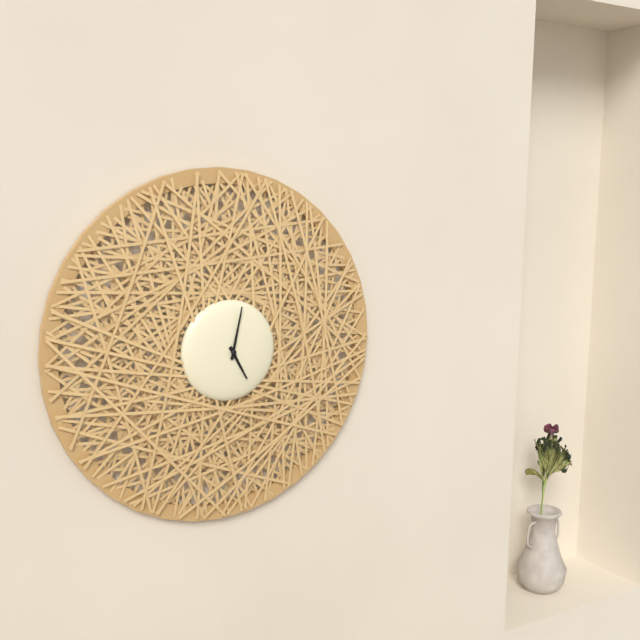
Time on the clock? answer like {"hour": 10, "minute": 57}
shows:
{"hour": 5, "minute": 2}
